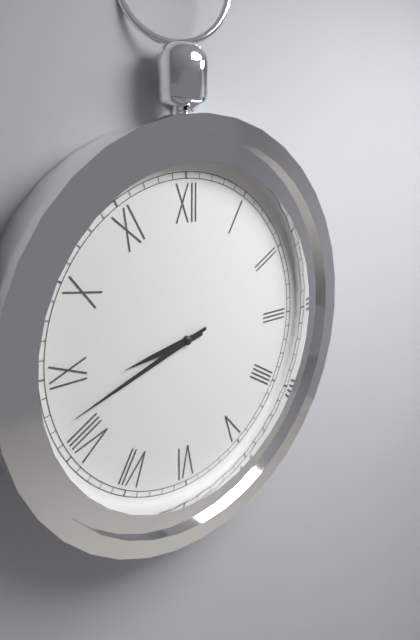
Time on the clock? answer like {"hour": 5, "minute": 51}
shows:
{"hour": 8, "minute": 42}
